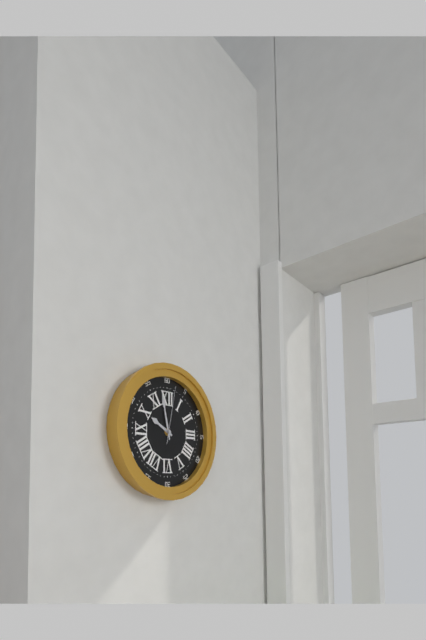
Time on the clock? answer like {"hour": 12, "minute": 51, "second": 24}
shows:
{"hour": 9, "minute": 58, "second": 2}
